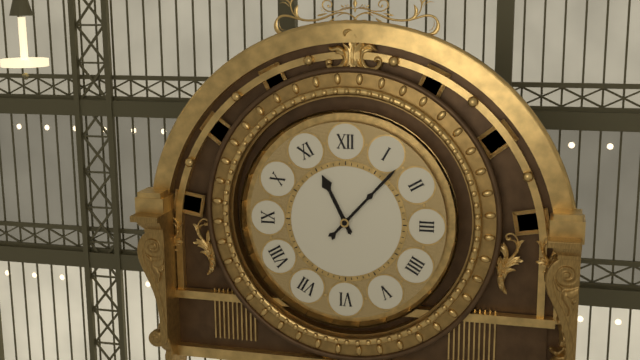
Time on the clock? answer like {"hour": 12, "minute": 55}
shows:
{"hour": 11, "minute": 7}
